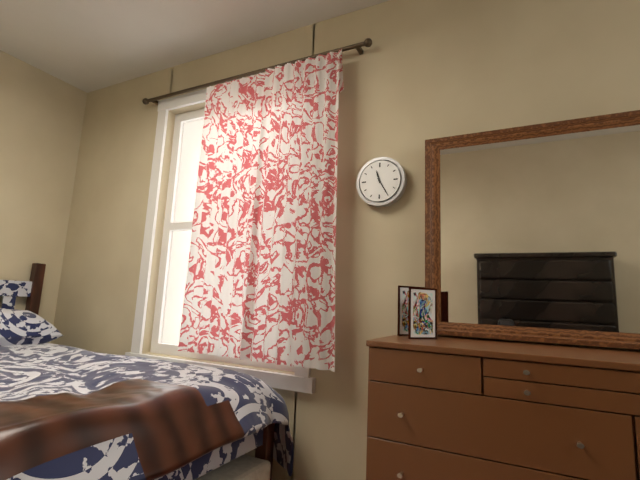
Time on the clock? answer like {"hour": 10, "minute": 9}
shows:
{"hour": 11, "minute": 25}
